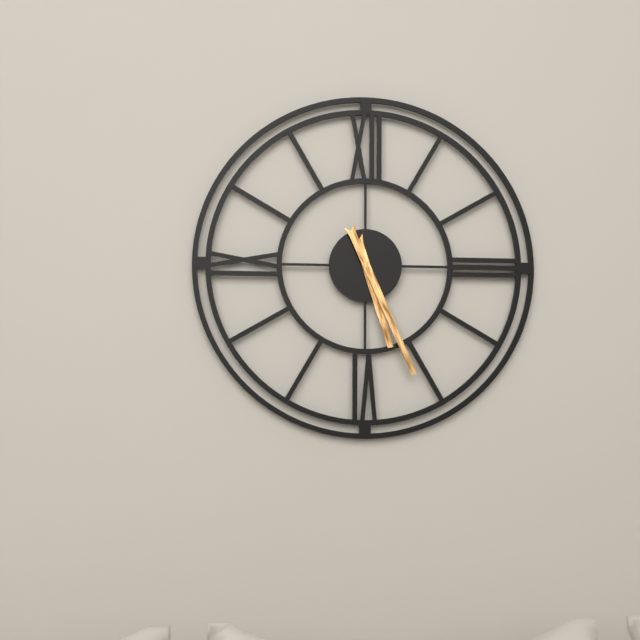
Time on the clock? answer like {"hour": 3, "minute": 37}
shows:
{"hour": 5, "minute": 26}
